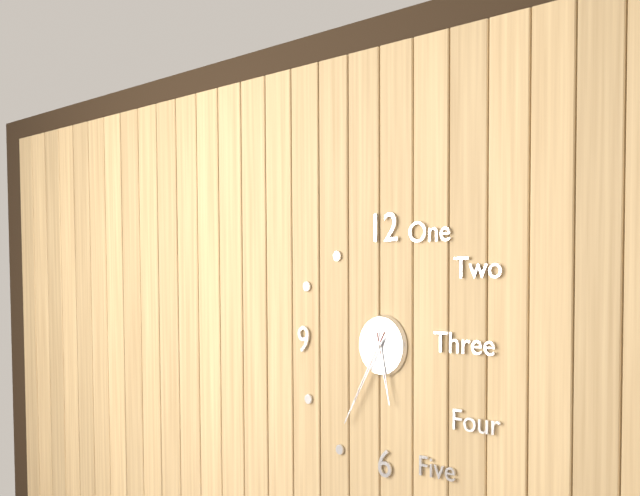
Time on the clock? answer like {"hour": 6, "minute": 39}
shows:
{"hour": 5, "minute": 35}
